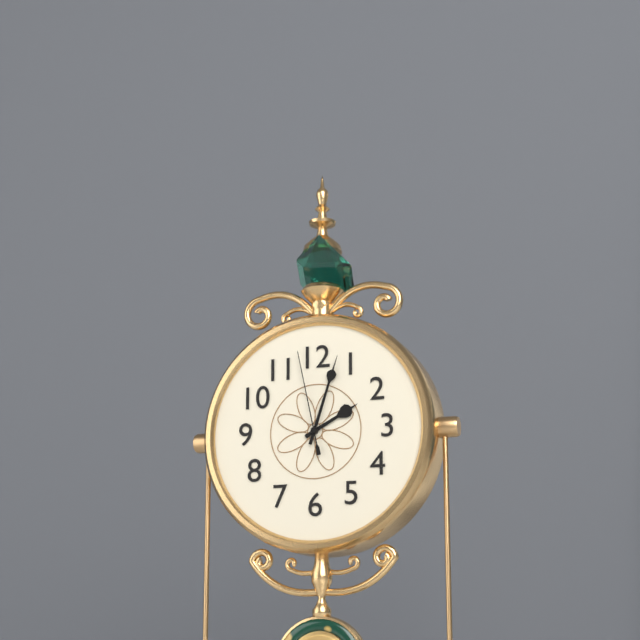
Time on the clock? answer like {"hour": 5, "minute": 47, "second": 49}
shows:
{"hour": 2, "minute": 3, "second": 58}
